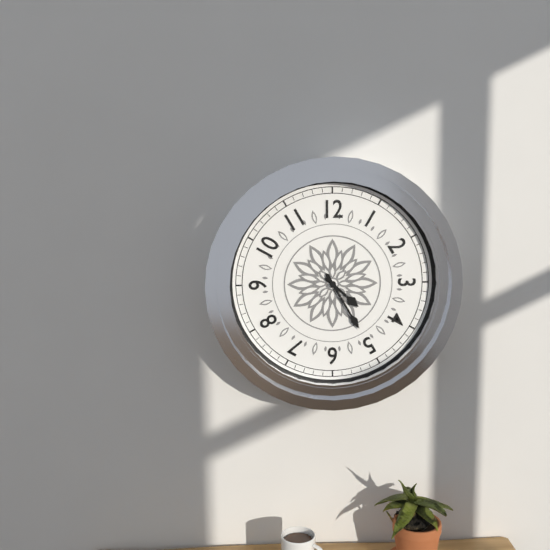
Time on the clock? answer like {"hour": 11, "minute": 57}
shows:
{"hour": 4, "minute": 25}
